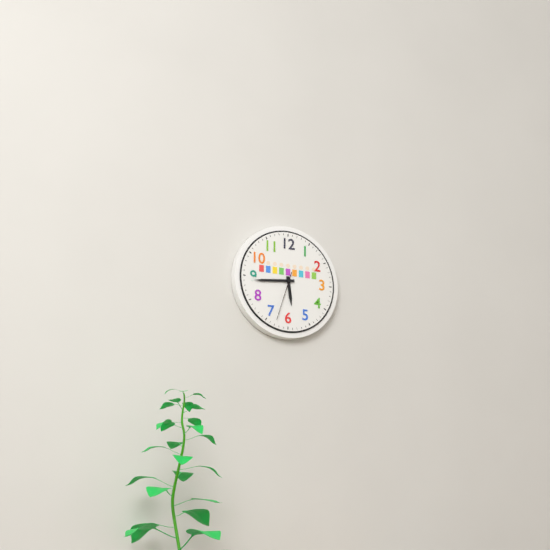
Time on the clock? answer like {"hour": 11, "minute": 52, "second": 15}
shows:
{"hour": 5, "minute": 44, "second": 33}
